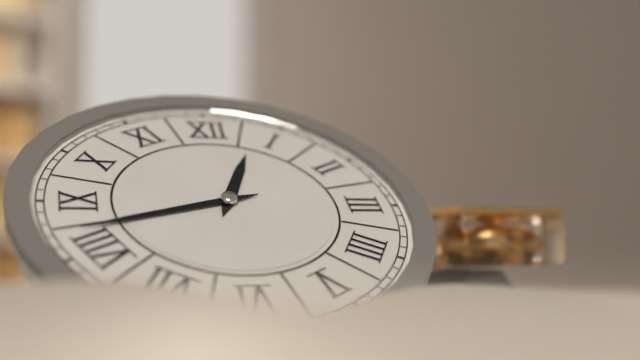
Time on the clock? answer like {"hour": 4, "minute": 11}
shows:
{"hour": 12, "minute": 42}
